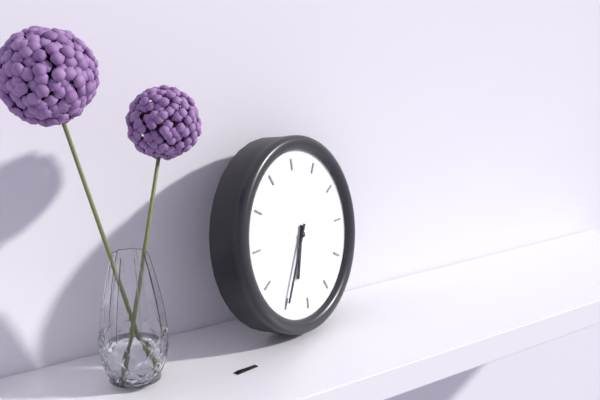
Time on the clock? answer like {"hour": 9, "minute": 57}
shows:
{"hour": 6, "minute": 35}
